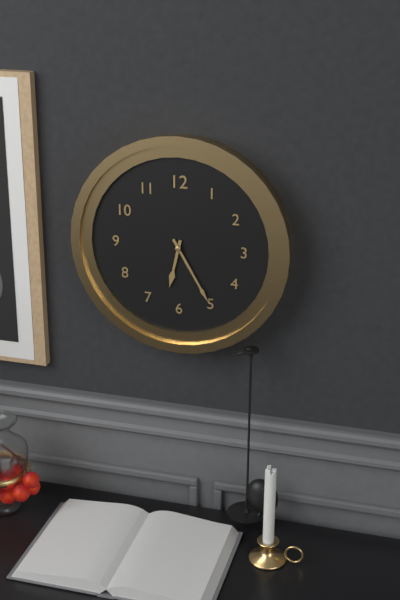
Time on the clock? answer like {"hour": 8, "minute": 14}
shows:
{"hour": 6, "minute": 25}
